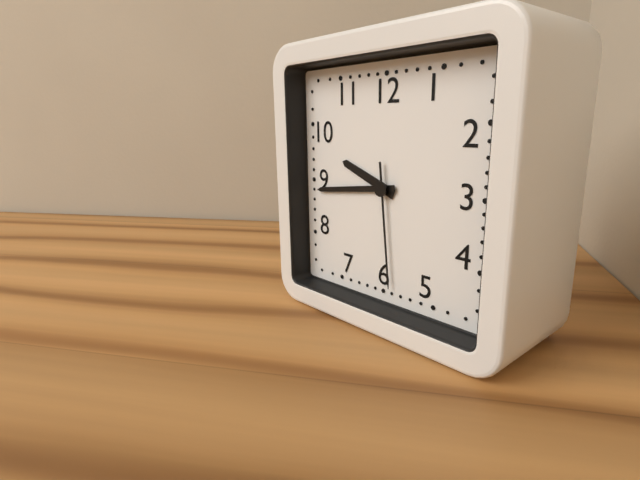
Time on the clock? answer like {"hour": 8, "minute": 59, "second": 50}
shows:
{"hour": 9, "minute": 44, "second": 29}
